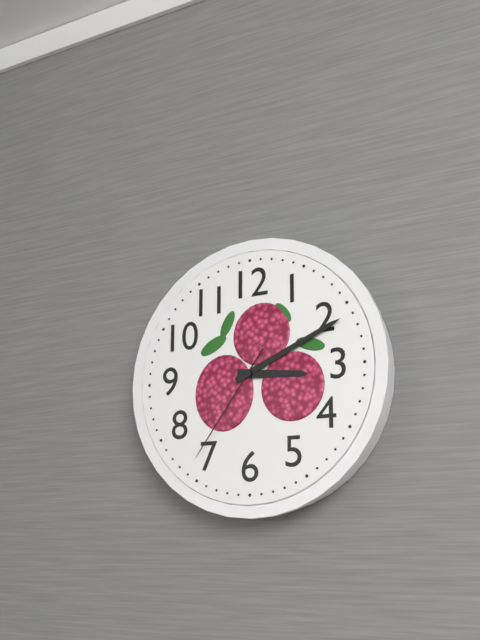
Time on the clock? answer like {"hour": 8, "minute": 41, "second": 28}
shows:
{"hour": 3, "minute": 11, "second": 36}
